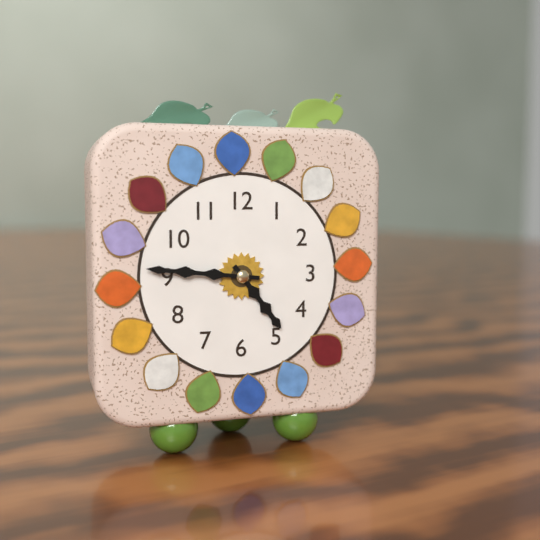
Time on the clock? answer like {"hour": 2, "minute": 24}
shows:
{"hour": 4, "minute": 46}
